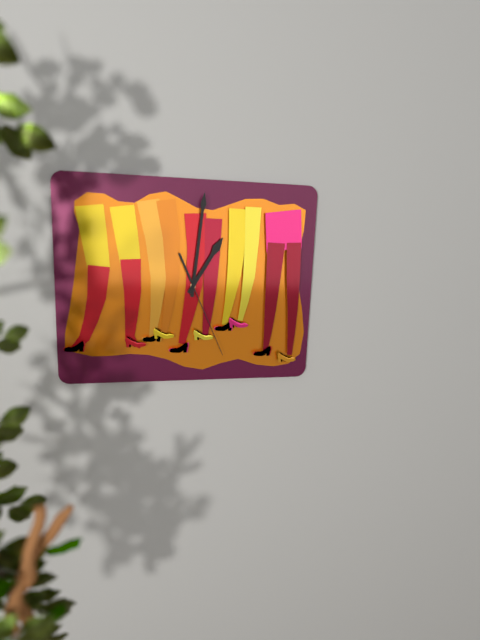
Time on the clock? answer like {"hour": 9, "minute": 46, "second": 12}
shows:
{"hour": 1, "minute": 1, "second": 26}
